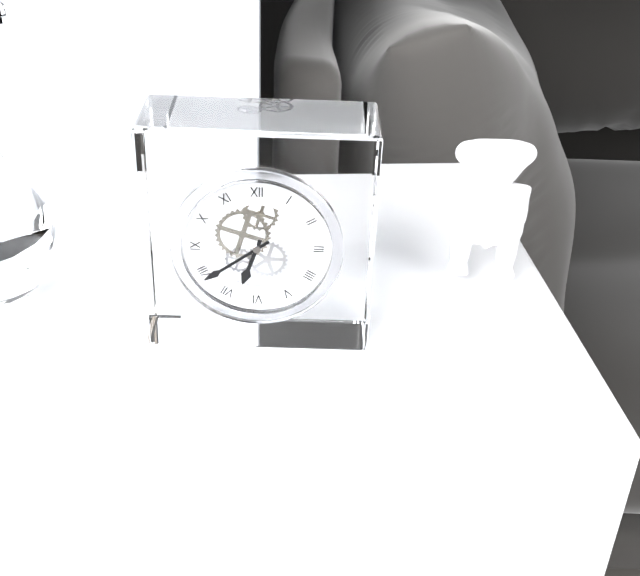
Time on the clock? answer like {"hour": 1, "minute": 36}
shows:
{"hour": 6, "minute": 39}
